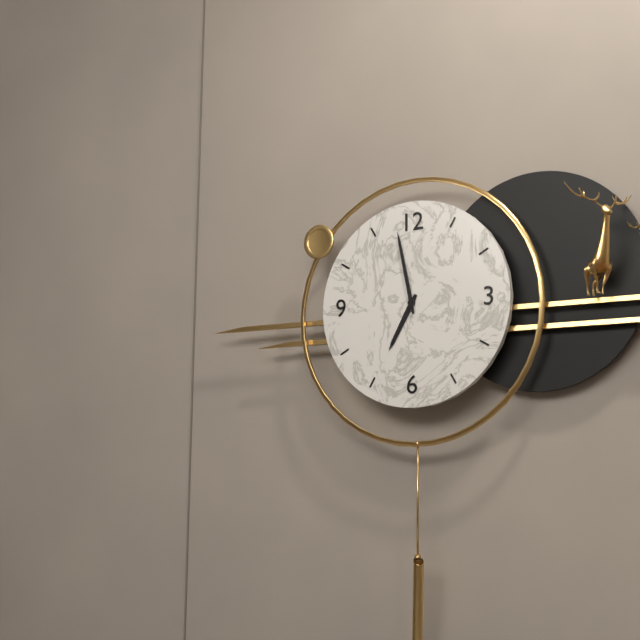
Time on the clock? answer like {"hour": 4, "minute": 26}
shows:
{"hour": 6, "minute": 58}
